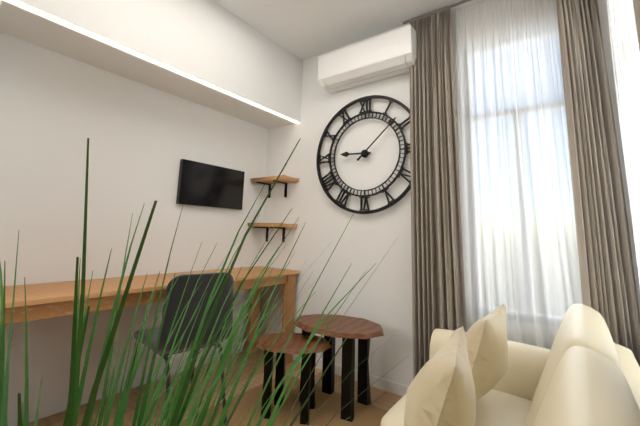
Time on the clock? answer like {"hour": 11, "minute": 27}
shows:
{"hour": 9, "minute": 8}
